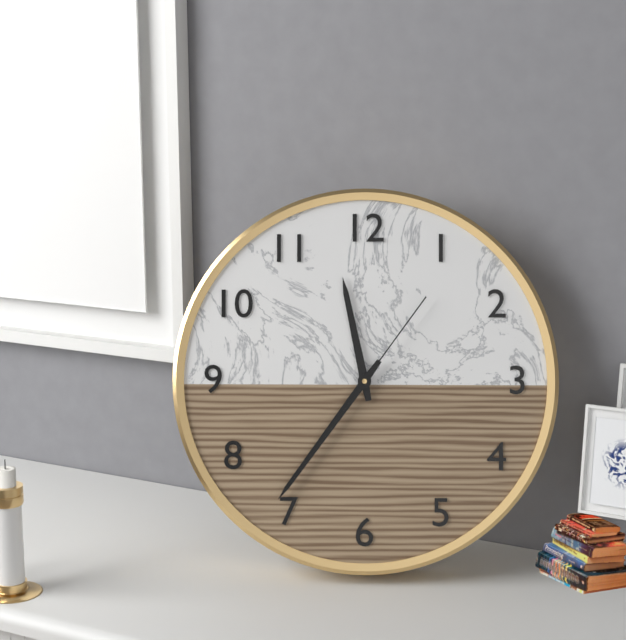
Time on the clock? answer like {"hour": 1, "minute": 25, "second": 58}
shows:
{"hour": 11, "minute": 36, "second": 36}
